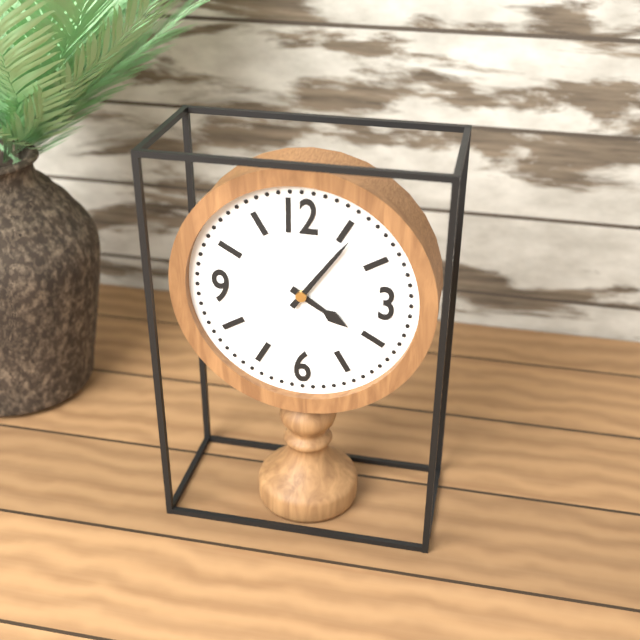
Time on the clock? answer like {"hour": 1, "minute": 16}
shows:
{"hour": 4, "minute": 6}
